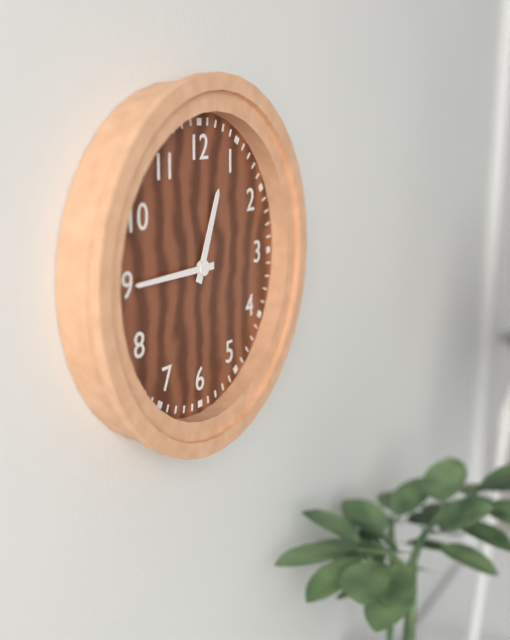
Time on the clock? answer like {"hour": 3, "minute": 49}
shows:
{"hour": 12, "minute": 45}
